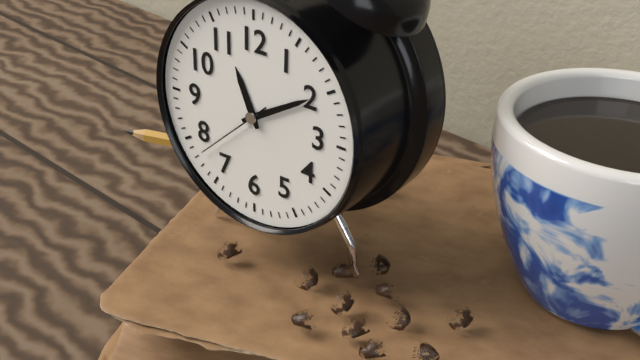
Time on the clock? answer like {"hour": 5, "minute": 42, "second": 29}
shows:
{"hour": 11, "minute": 10, "second": 38}
